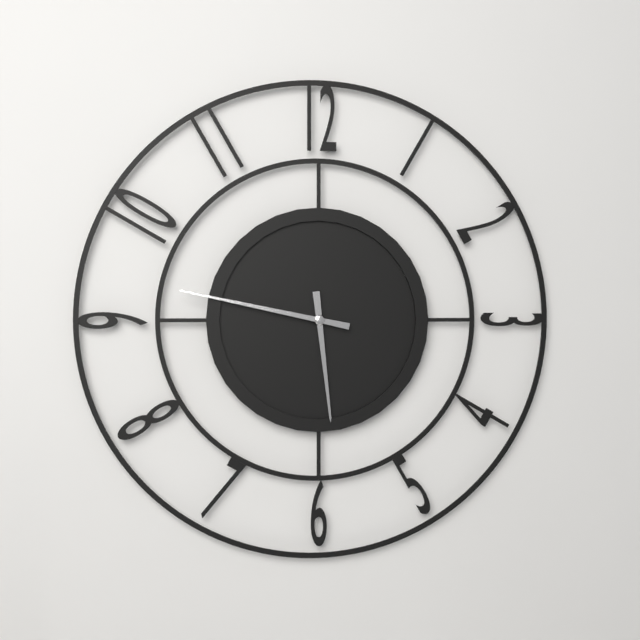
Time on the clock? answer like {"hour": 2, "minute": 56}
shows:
{"hour": 5, "minute": 47}
